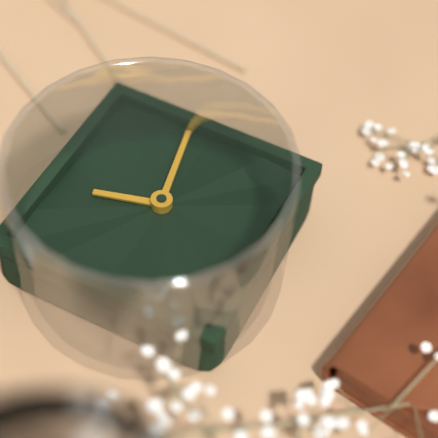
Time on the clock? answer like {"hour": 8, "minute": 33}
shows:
{"hour": 2, "minute": 28}
